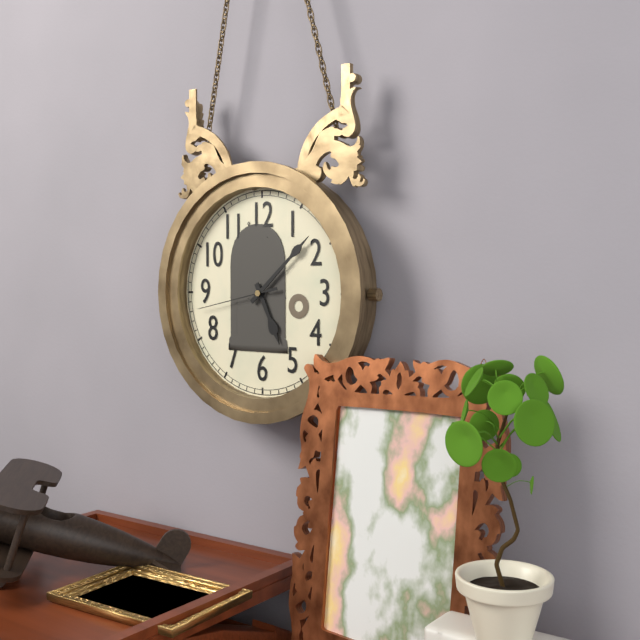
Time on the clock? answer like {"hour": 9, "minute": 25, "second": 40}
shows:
{"hour": 5, "minute": 8, "second": 43}
